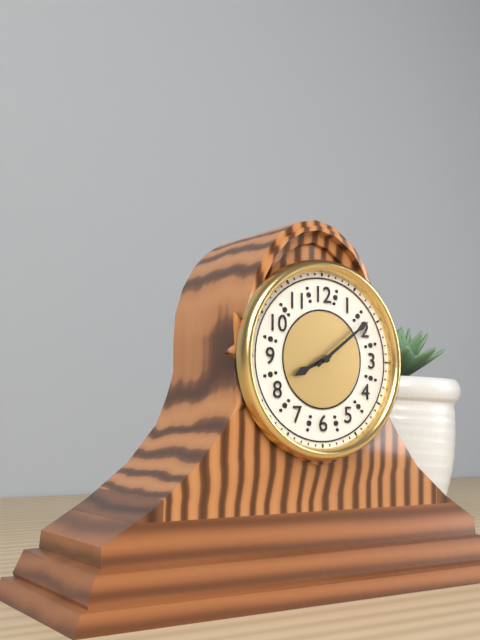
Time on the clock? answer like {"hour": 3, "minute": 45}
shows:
{"hour": 8, "minute": 9}
